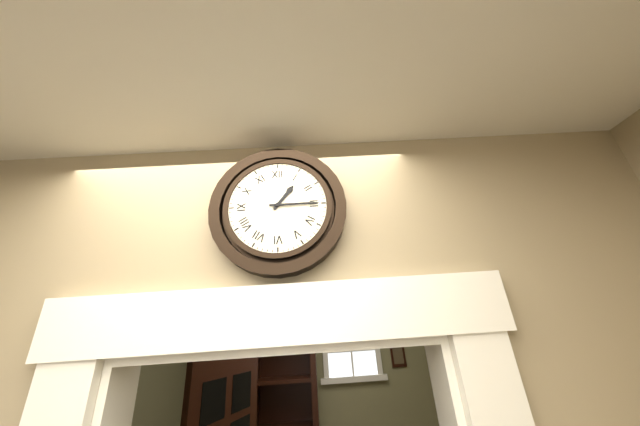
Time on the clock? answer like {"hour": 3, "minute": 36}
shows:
{"hour": 1, "minute": 15}
